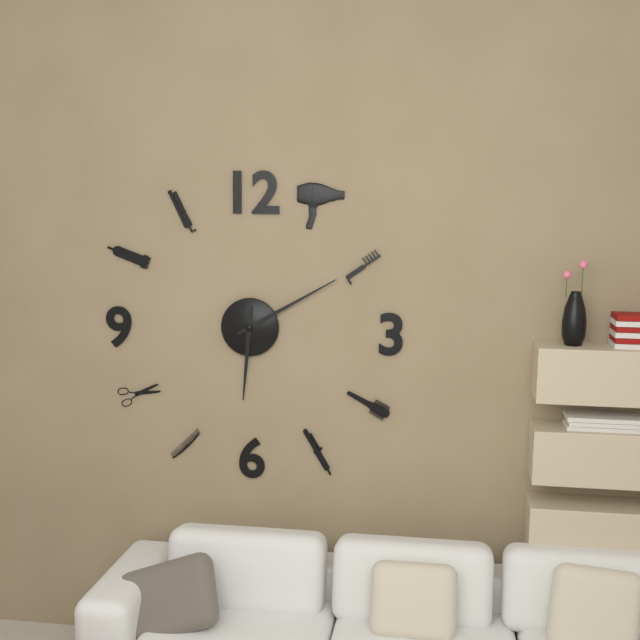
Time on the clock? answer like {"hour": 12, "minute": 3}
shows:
{"hour": 6, "minute": 10}
